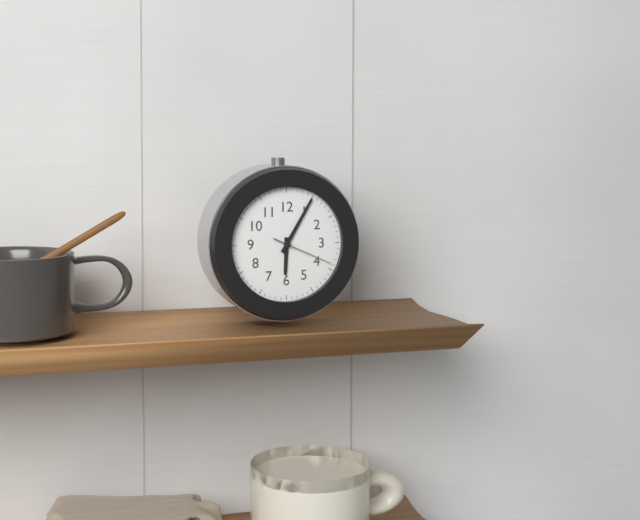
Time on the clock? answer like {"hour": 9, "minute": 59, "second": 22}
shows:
{"hour": 6, "minute": 5, "second": 19}
